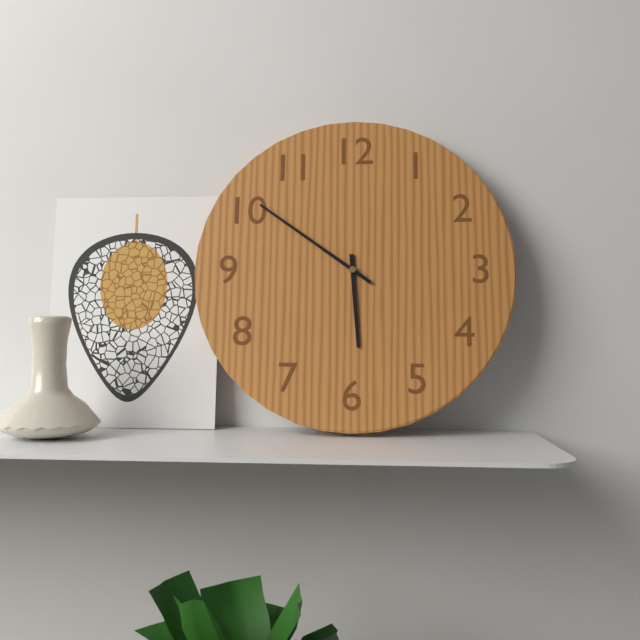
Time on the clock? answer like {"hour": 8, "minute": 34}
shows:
{"hour": 5, "minute": 51}
